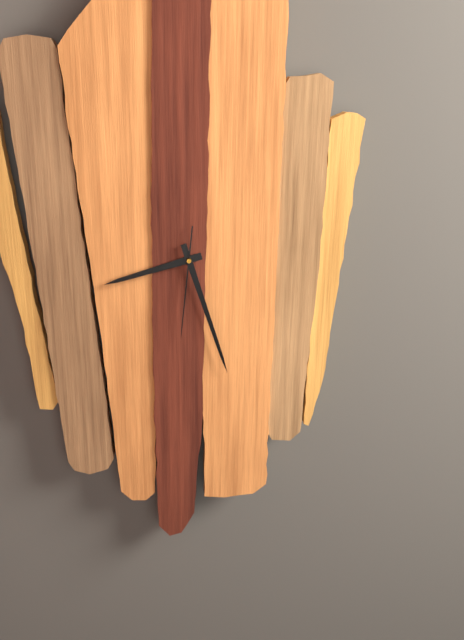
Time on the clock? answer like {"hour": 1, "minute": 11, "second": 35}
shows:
{"hour": 8, "minute": 27, "second": 31}
